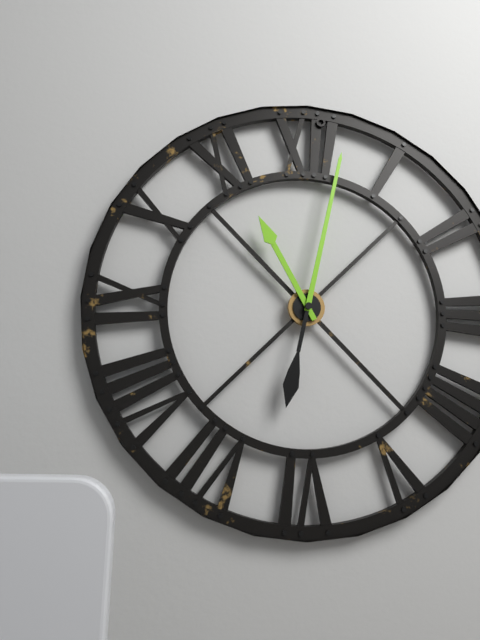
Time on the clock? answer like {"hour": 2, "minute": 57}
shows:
{"hour": 11, "minute": 2}
